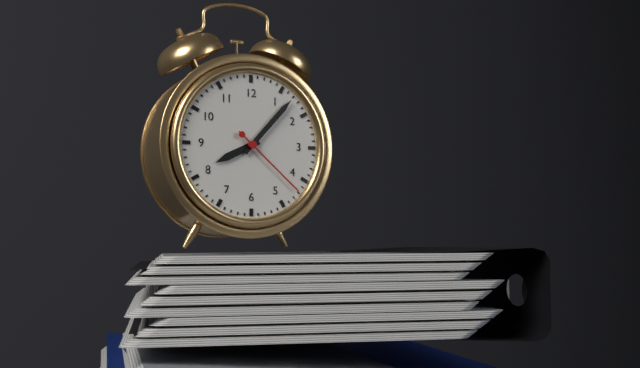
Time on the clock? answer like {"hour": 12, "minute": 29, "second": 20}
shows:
{"hour": 8, "minute": 7, "second": 22}
